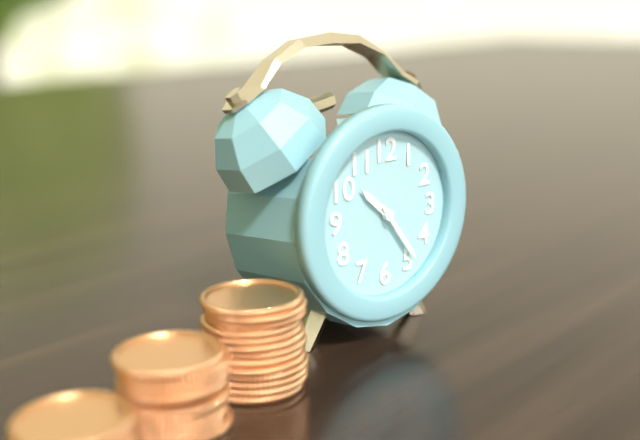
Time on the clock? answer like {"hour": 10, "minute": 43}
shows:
{"hour": 10, "minute": 24}
